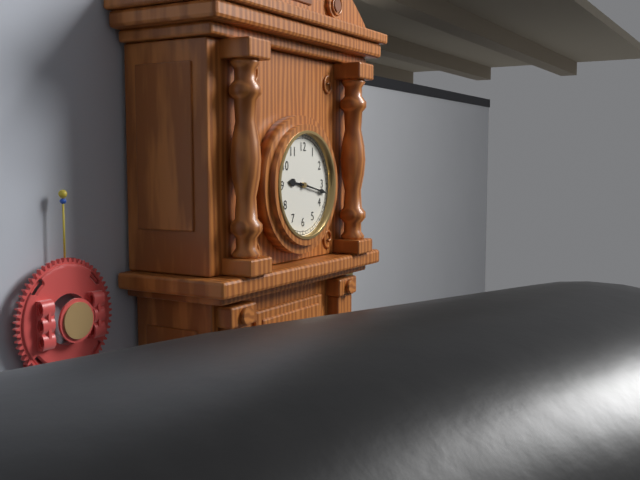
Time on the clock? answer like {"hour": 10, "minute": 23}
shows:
{"hour": 9, "minute": 17}
